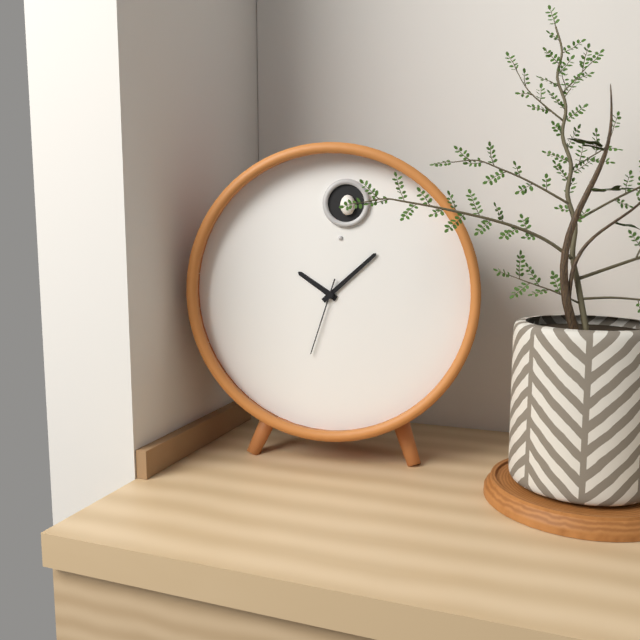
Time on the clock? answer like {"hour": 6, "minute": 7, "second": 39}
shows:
{"hour": 10, "minute": 8, "second": 33}
